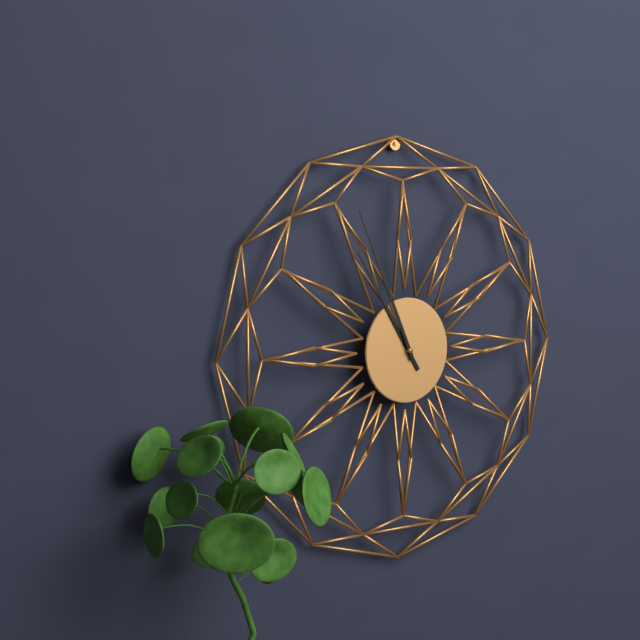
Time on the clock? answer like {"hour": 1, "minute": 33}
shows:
{"hour": 10, "minute": 56}
